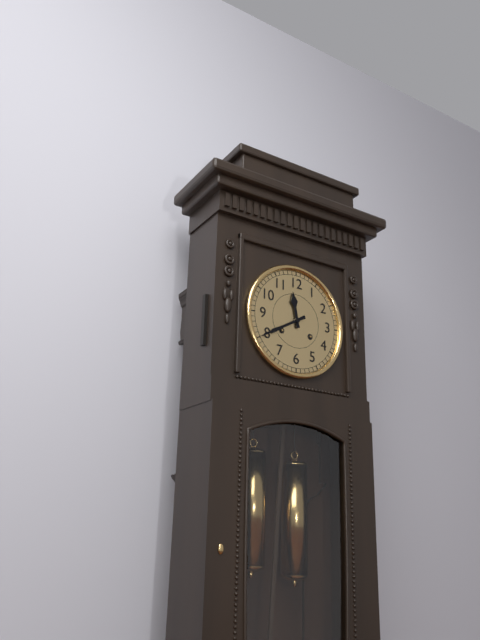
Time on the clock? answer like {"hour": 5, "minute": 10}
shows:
{"hour": 11, "minute": 40}
